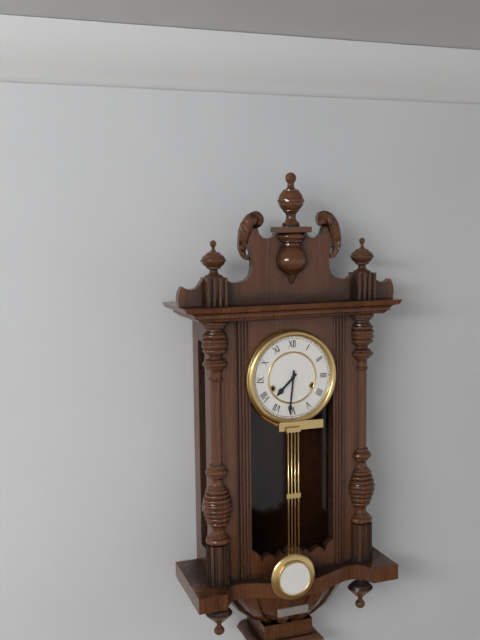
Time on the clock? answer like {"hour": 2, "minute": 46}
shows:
{"hour": 7, "minute": 31}
